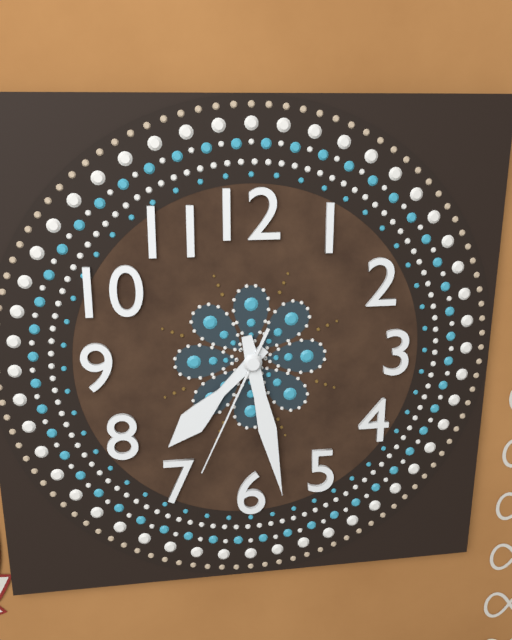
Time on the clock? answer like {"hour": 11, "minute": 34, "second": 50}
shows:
{"hour": 7, "minute": 28, "second": 34}
